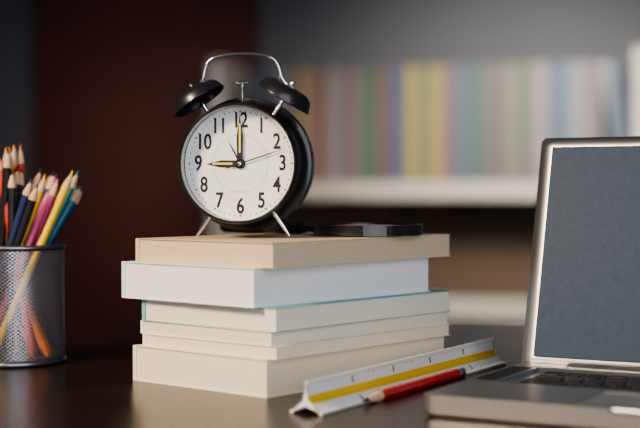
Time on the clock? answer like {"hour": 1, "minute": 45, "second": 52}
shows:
{"hour": 9, "minute": 0, "second": 12}
